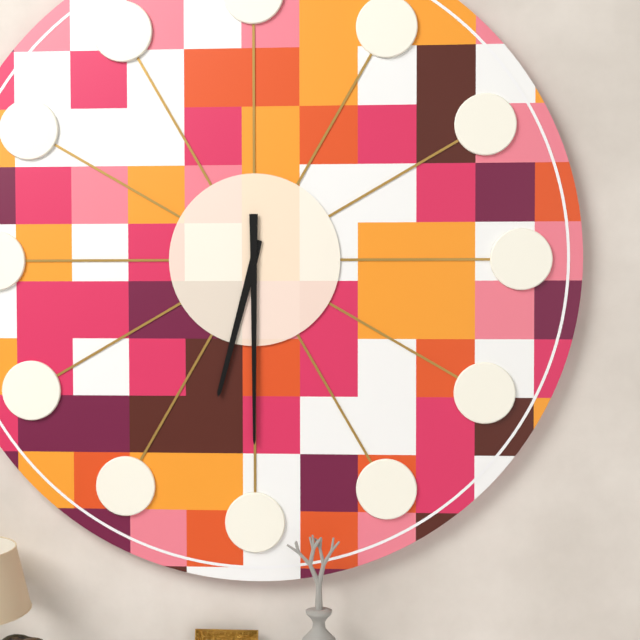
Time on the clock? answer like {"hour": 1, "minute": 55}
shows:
{"hour": 6, "minute": 30}
